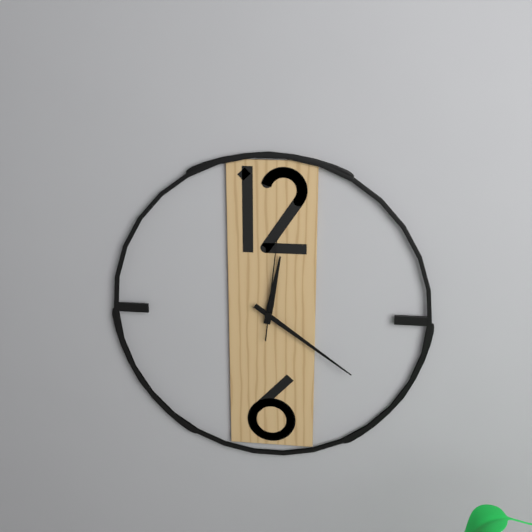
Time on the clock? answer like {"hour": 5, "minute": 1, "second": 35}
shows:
{"hour": 12, "minute": 21, "second": 1}
